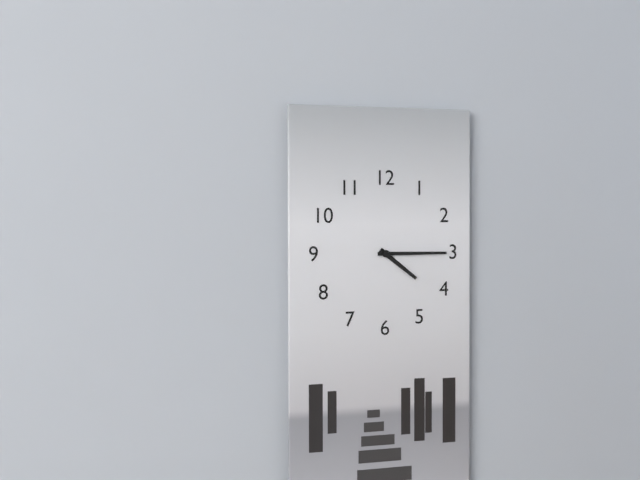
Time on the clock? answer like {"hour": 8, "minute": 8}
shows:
{"hour": 4, "minute": 15}
